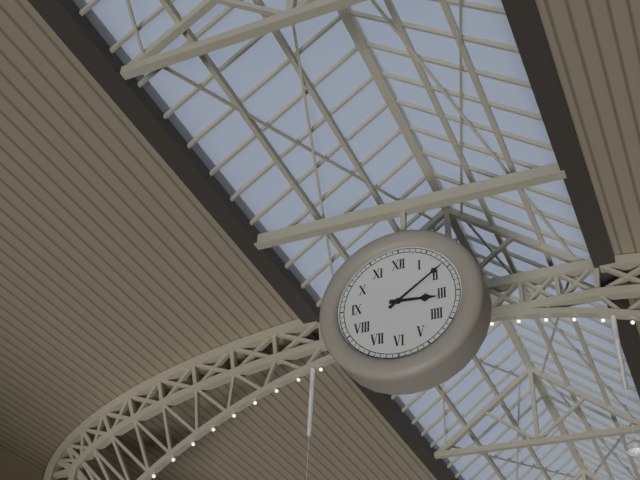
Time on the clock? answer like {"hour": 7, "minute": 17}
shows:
{"hour": 3, "minute": 9}
